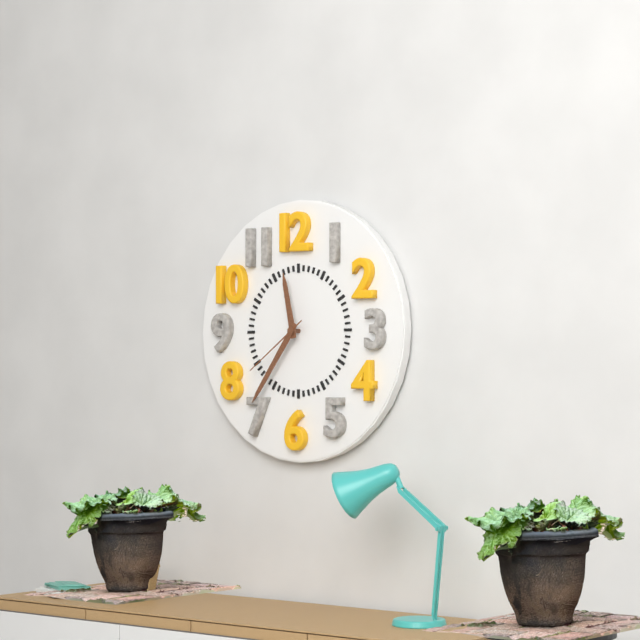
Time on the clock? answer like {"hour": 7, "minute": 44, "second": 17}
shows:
{"hour": 11, "minute": 36, "second": 39}
